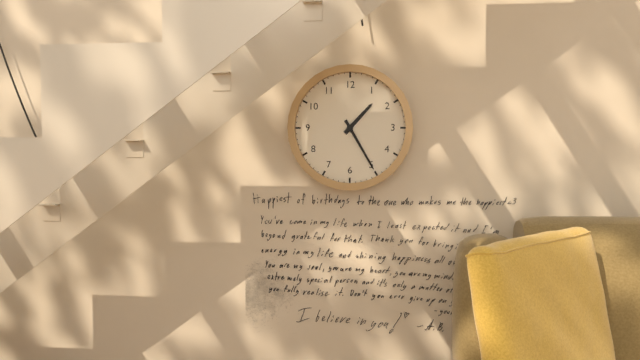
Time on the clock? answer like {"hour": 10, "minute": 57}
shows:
{"hour": 1, "minute": 25}
